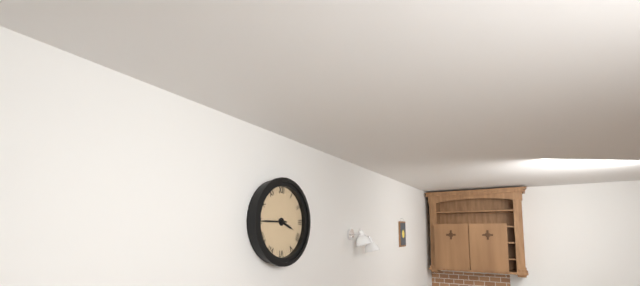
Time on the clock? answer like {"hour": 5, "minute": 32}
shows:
{"hour": 3, "minute": 45}
